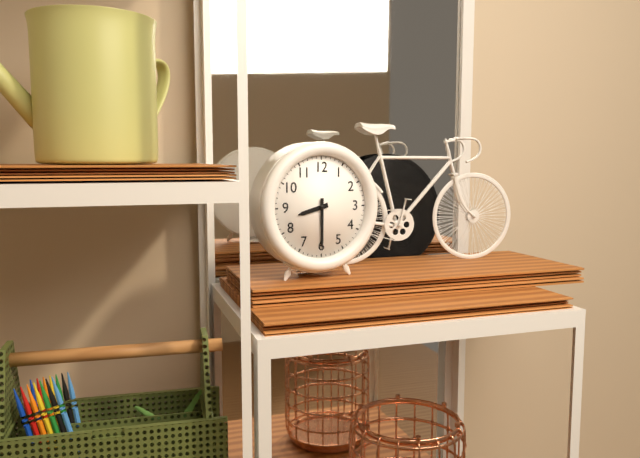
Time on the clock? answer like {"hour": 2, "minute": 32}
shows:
{"hour": 8, "minute": 30}
